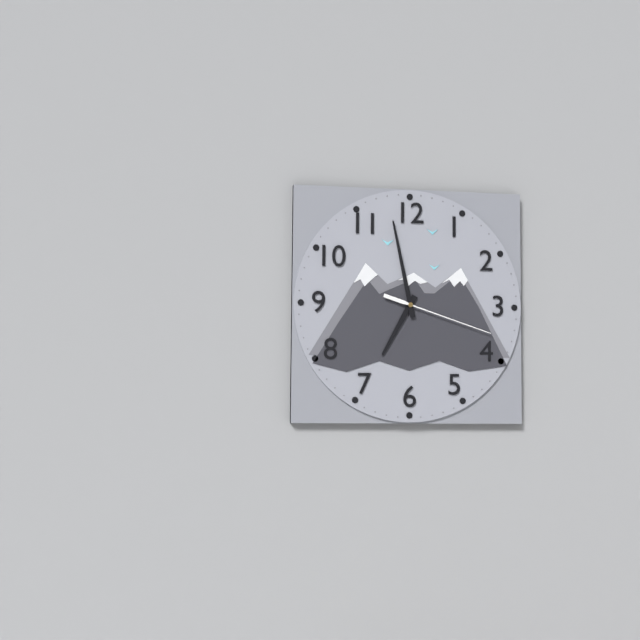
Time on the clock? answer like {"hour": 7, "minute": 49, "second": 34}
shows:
{"hour": 6, "minute": 58, "second": 18}
